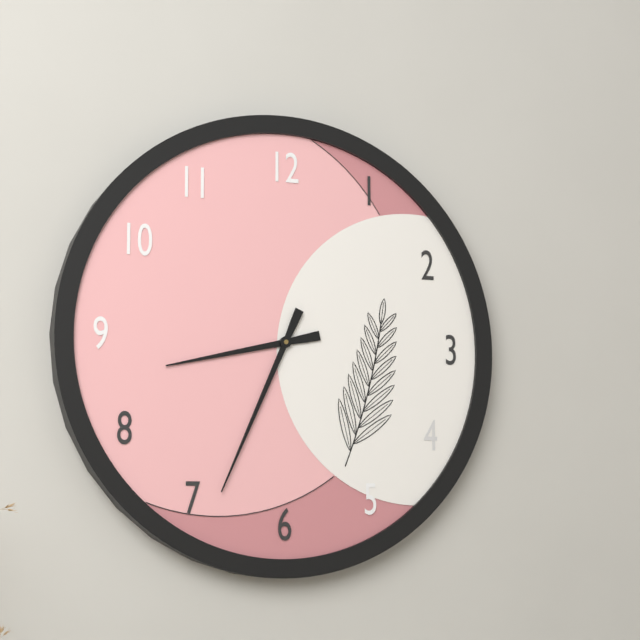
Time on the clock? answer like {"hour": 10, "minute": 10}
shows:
{"hour": 8, "minute": 34}
